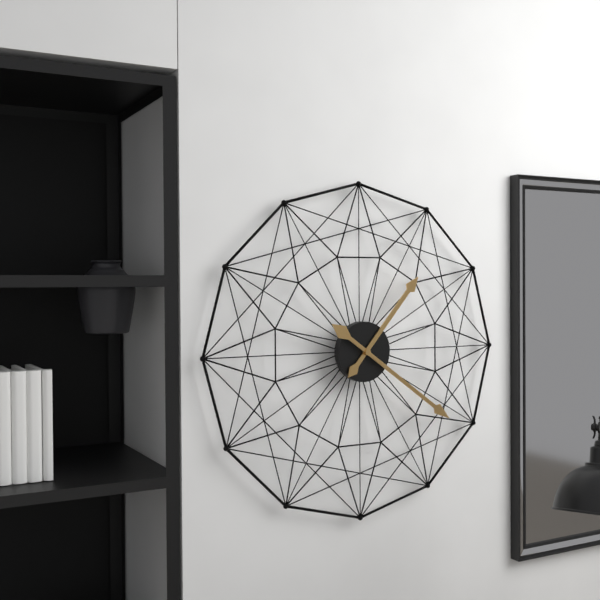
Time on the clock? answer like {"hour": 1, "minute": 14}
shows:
{"hour": 1, "minute": 21}
